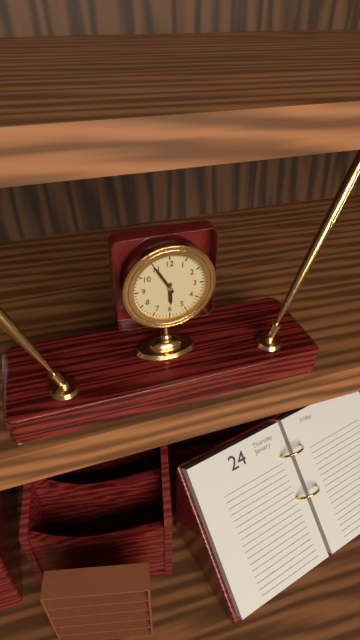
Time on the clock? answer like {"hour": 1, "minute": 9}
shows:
{"hour": 5, "minute": 55}
